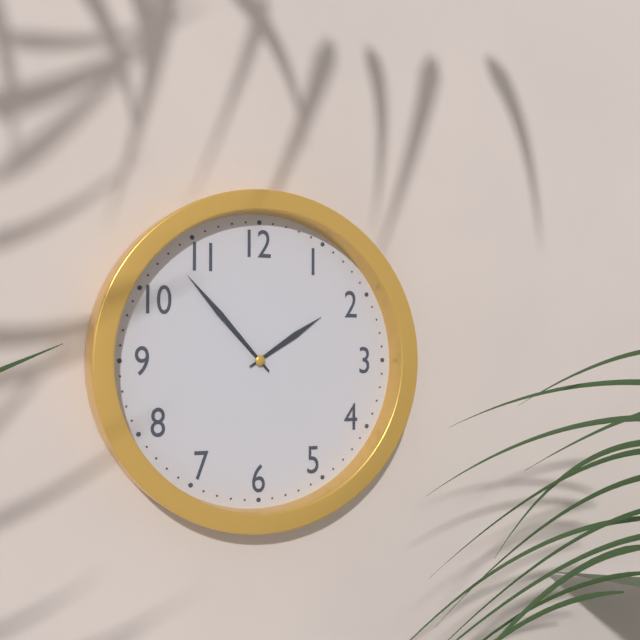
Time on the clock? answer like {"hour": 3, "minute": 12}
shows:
{"hour": 1, "minute": 53}
